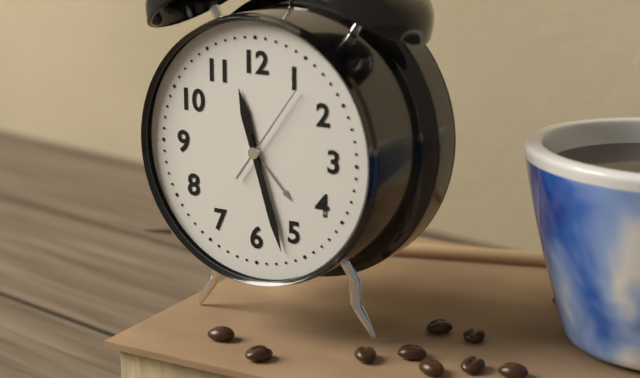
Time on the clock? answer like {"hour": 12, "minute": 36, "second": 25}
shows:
{"hour": 11, "minute": 27, "second": 6}
